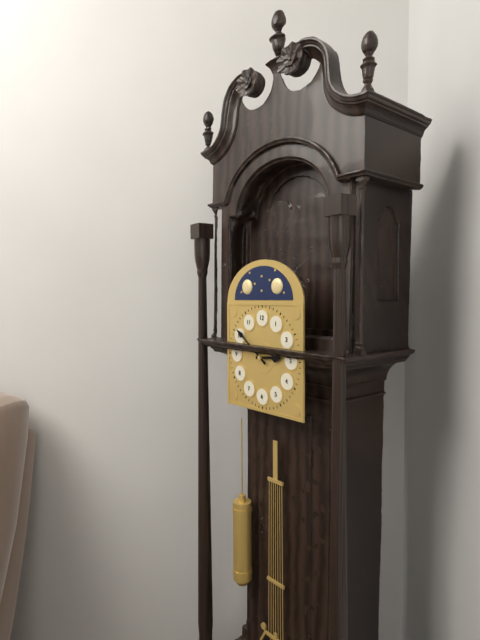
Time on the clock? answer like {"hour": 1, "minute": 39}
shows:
{"hour": 2, "minute": 51}
